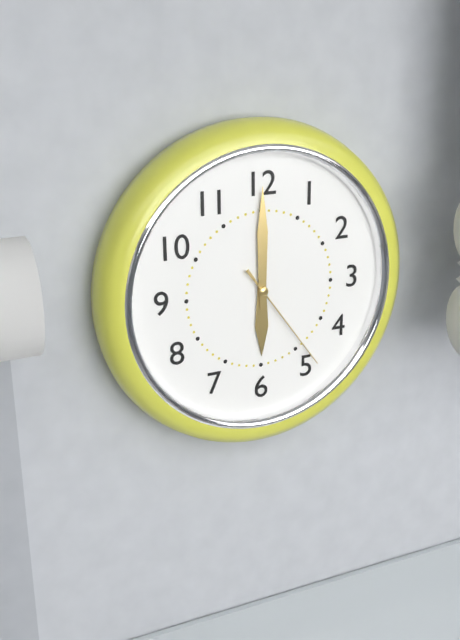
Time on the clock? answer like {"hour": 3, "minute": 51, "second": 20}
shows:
{"hour": 6, "minute": 0, "second": 24}
